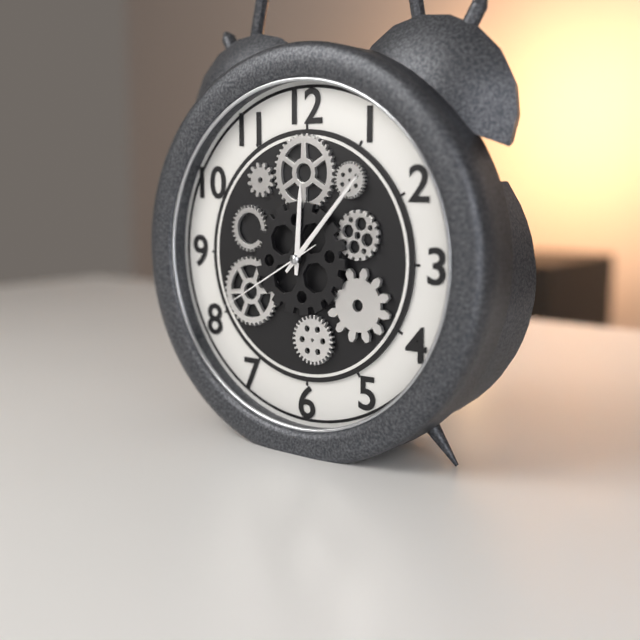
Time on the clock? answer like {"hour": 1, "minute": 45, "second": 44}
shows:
{"hour": 12, "minute": 7, "second": 40}
